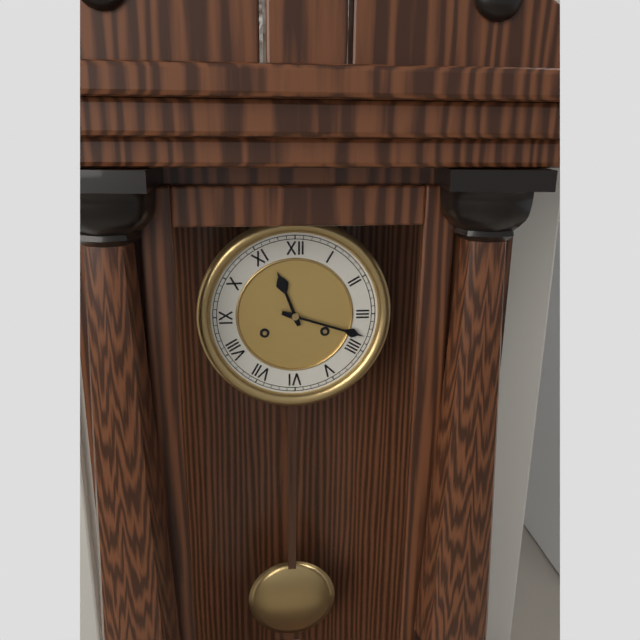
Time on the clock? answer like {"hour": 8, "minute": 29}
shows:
{"hour": 11, "minute": 18}
